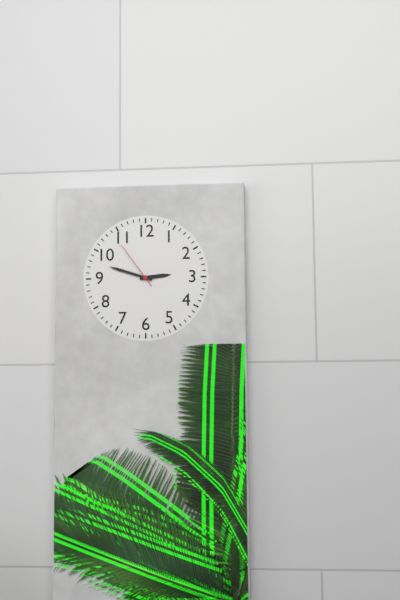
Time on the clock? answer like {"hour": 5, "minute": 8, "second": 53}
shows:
{"hour": 2, "minute": 48, "second": 54}
